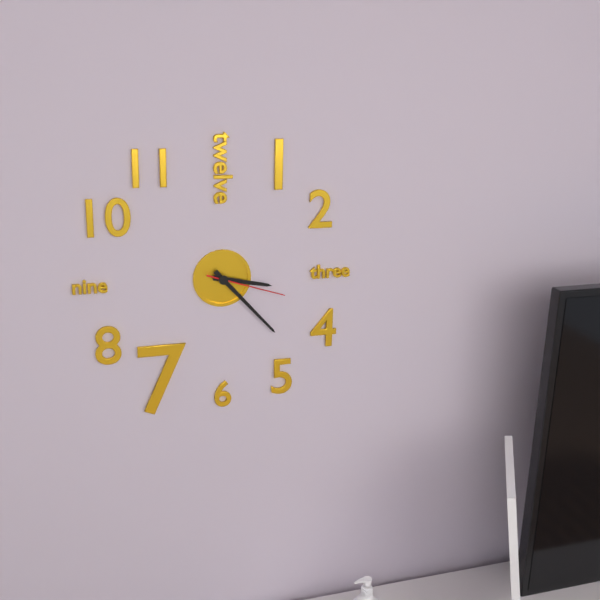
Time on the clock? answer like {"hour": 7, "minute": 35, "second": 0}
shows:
{"hour": 3, "minute": 23, "second": 18}
